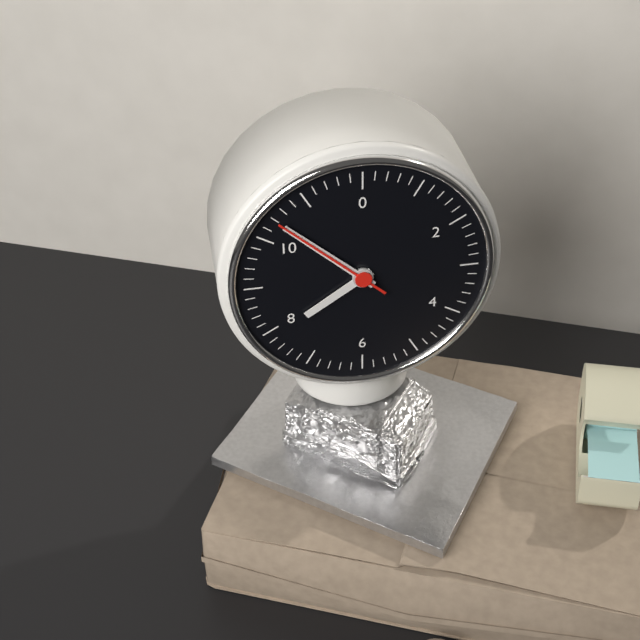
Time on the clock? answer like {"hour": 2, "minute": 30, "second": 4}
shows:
{"hour": 7, "minute": 52, "second": 52}
